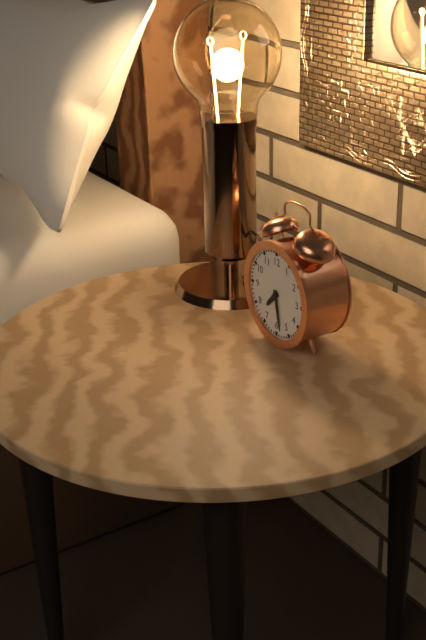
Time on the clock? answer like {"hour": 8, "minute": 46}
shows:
{"hour": 7, "minute": 28}
